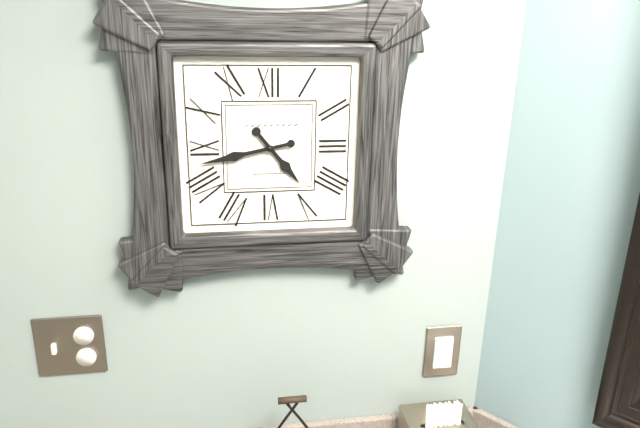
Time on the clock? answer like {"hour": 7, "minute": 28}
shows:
{"hour": 4, "minute": 43}
